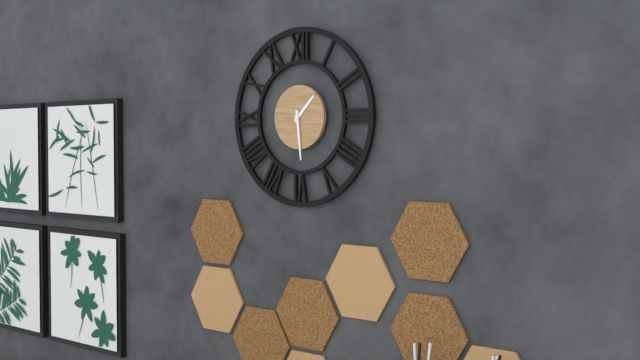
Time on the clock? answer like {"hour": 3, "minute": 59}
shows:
{"hour": 1, "minute": 29}
